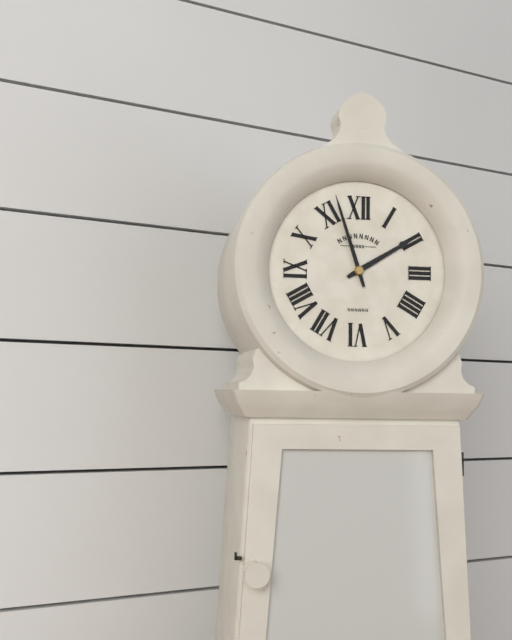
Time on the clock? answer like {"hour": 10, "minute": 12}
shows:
{"hour": 1, "minute": 57}
